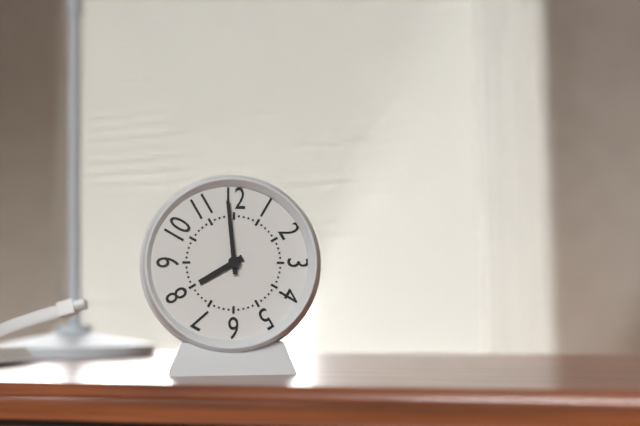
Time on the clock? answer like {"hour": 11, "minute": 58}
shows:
{"hour": 7, "minute": 59}
